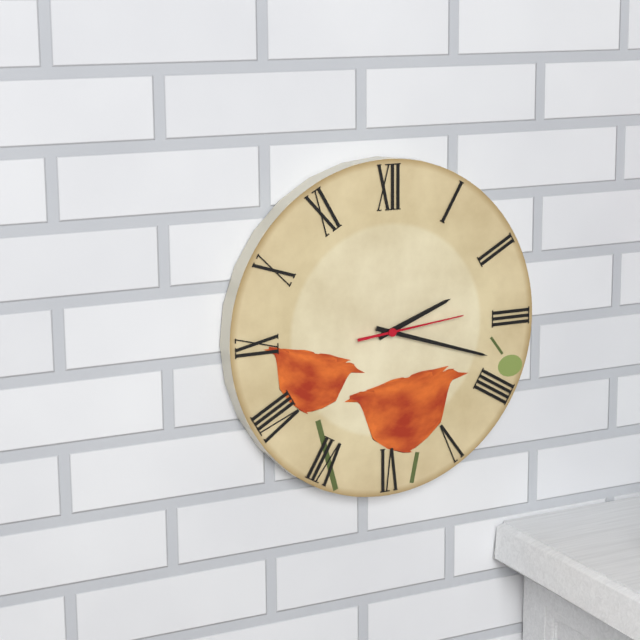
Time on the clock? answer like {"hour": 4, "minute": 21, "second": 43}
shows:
{"hour": 2, "minute": 18, "second": 14}
